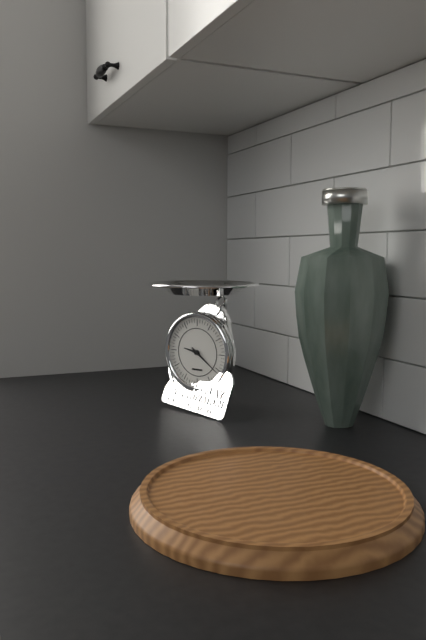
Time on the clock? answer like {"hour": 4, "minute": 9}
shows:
{"hour": 9, "minute": 21}
